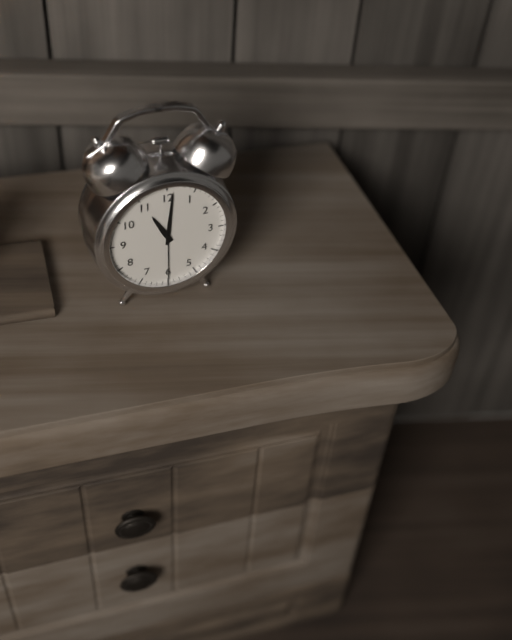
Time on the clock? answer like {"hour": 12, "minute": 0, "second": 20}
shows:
{"hour": 11, "minute": 1, "second": 30}
